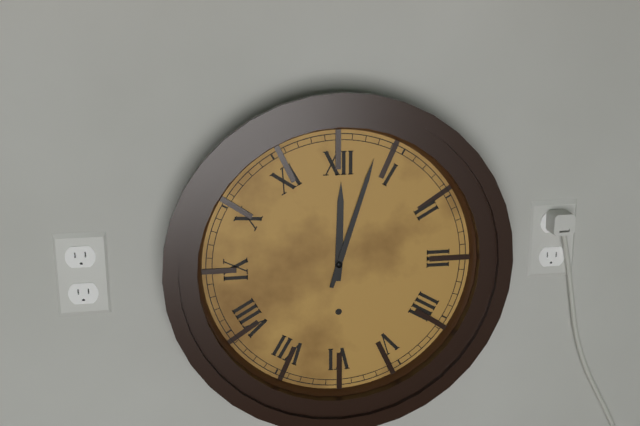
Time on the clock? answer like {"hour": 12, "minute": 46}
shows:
{"hour": 12, "minute": 3}
